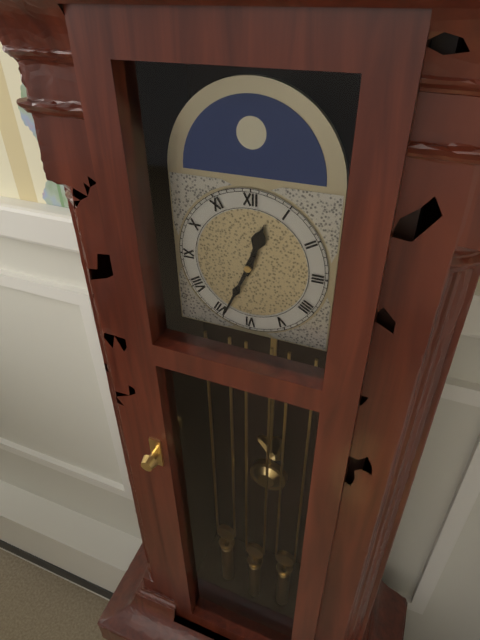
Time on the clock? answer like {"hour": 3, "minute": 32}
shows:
{"hour": 12, "minute": 34}
